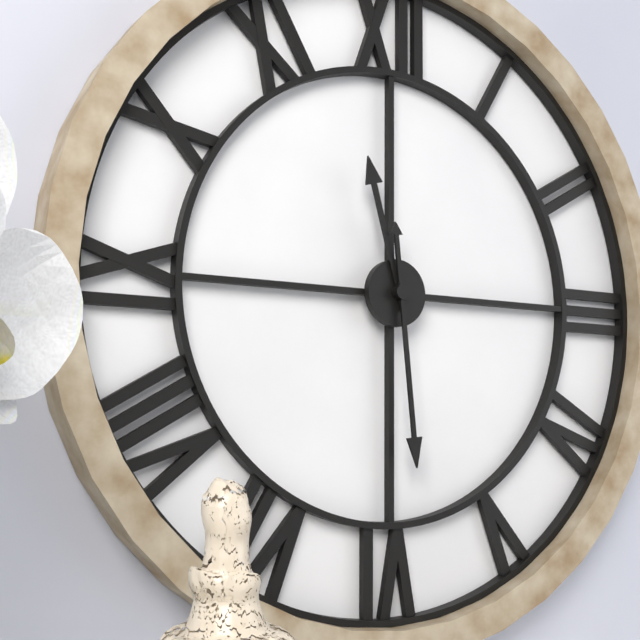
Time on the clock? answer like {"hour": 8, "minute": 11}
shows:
{"hour": 11, "minute": 29}
